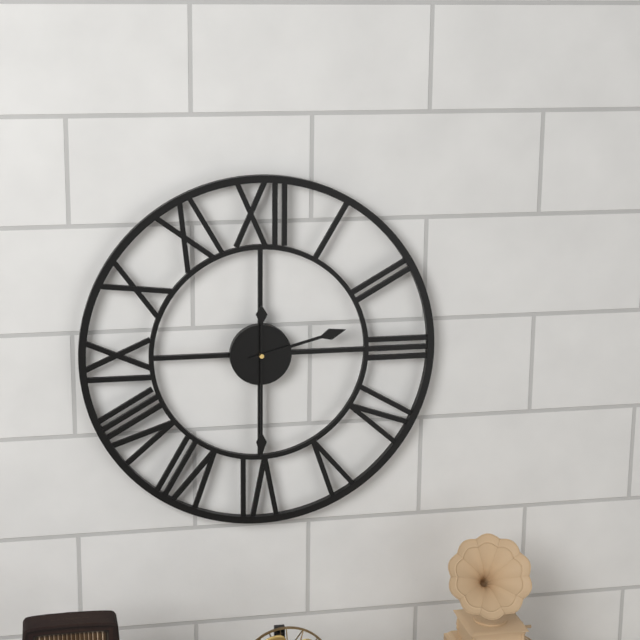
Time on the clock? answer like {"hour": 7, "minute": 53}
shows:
{"hour": 2, "minute": 30}
